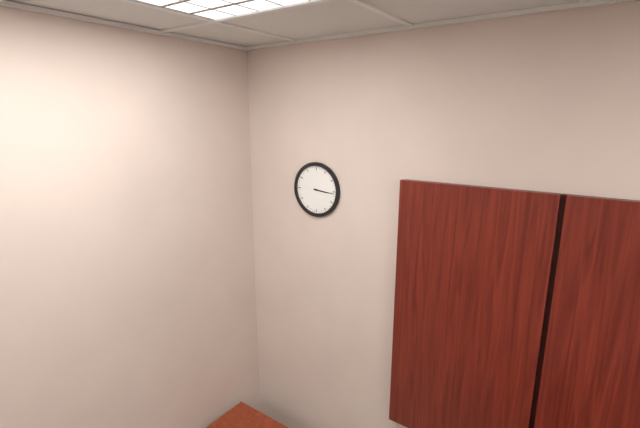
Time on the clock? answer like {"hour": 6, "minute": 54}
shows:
{"hour": 3, "minute": 16}
